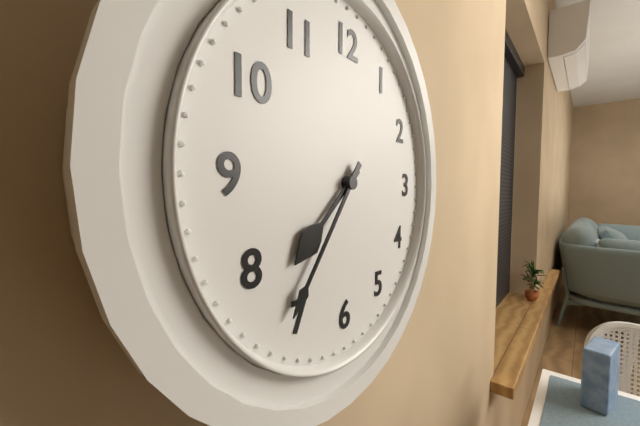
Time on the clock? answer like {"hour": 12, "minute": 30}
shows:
{"hour": 7, "minute": 36}
